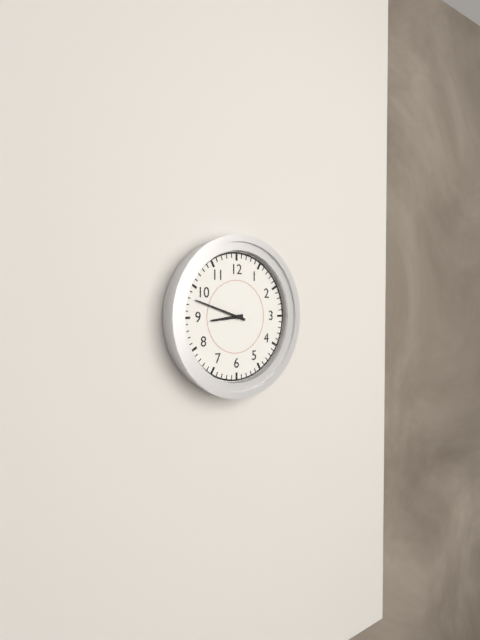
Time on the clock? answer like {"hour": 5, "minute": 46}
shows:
{"hour": 8, "minute": 48}
